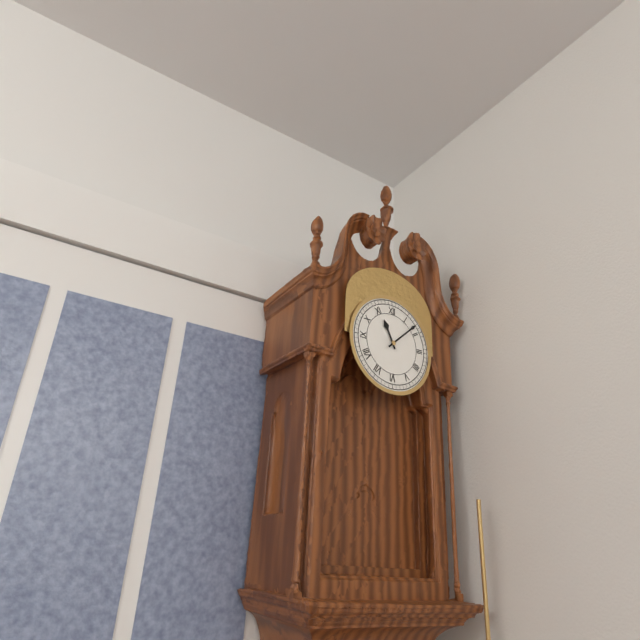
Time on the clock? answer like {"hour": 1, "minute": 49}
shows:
{"hour": 11, "minute": 8}
